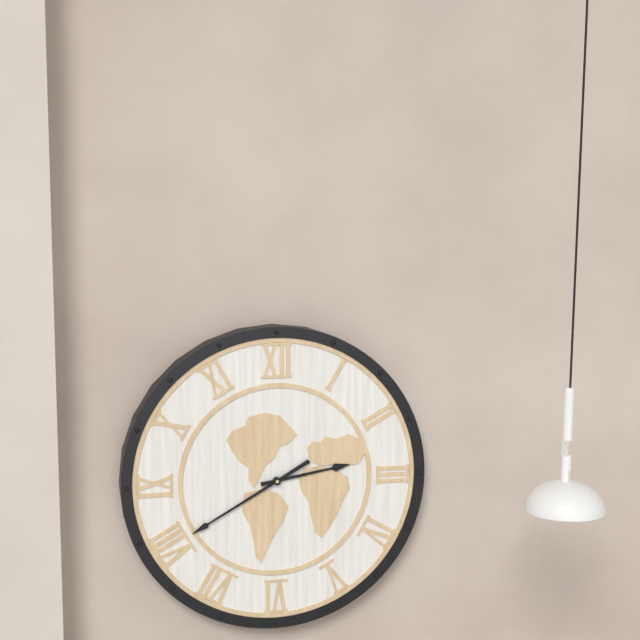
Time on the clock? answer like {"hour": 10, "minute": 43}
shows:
{"hour": 2, "minute": 40}
